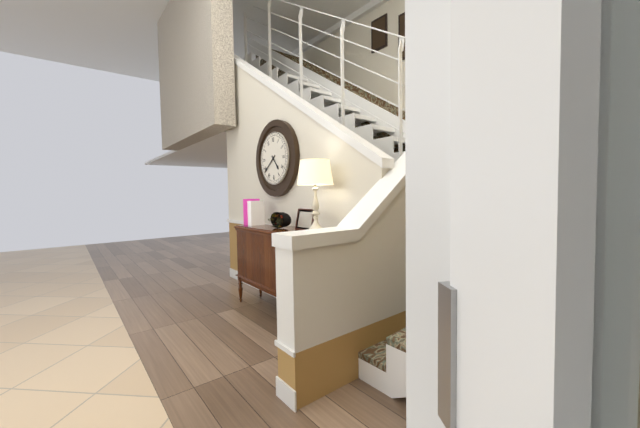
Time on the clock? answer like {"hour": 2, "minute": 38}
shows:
{"hour": 4, "minute": 39}
